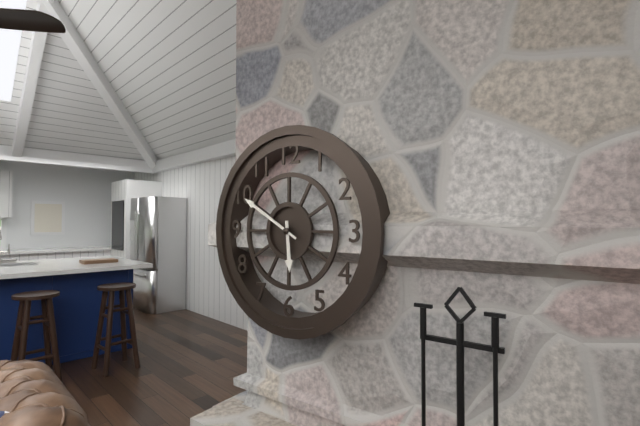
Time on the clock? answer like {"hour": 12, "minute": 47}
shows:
{"hour": 5, "minute": 50}
